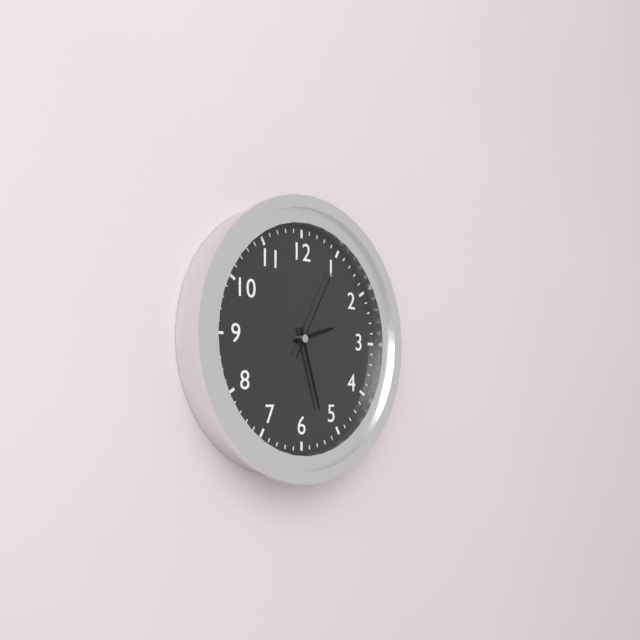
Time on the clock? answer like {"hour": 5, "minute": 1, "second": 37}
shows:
{"hour": 2, "minute": 27, "second": 5}
